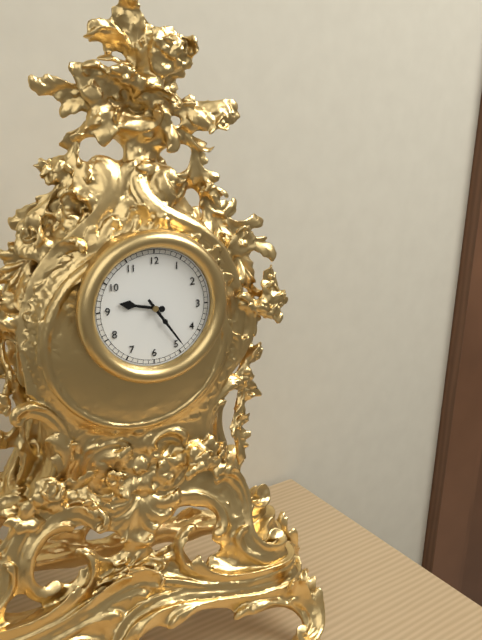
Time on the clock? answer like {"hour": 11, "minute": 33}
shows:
{"hour": 9, "minute": 24}
